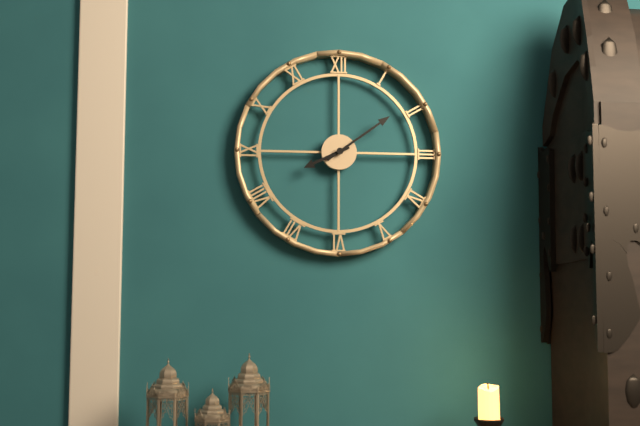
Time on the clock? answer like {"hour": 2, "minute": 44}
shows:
{"hour": 8, "minute": 9}
